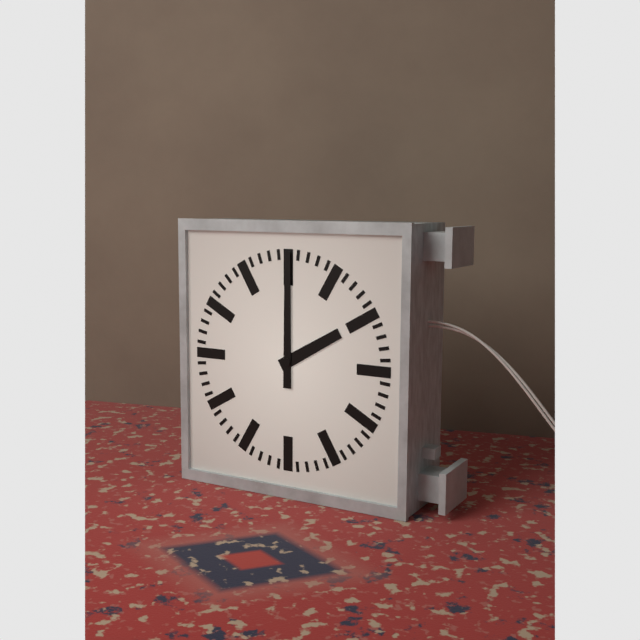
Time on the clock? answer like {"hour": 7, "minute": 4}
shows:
{"hour": 2, "minute": 0}
